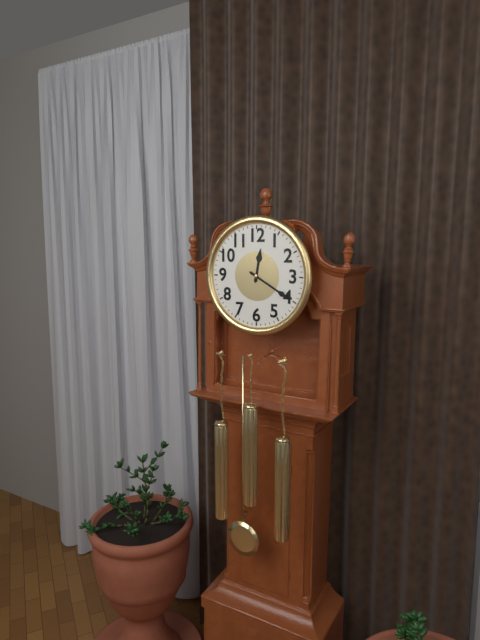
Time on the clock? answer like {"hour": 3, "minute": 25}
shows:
{"hour": 12, "minute": 20}
